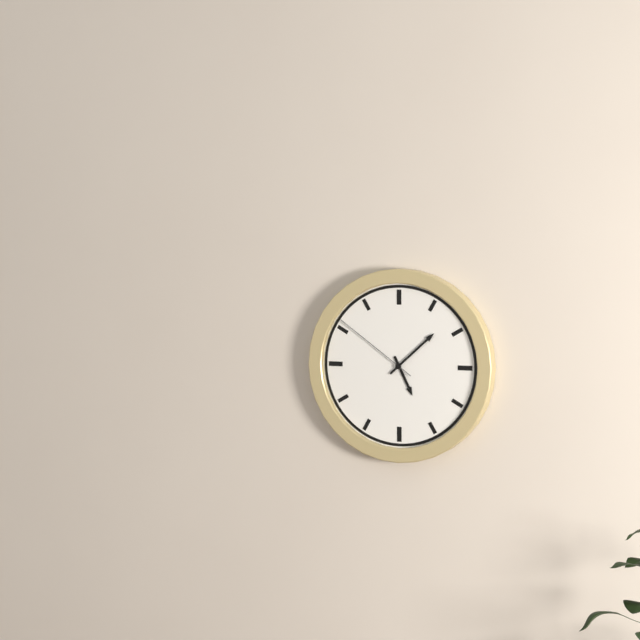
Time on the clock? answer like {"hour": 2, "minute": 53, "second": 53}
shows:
{"hour": 5, "minute": 8, "second": 51}
